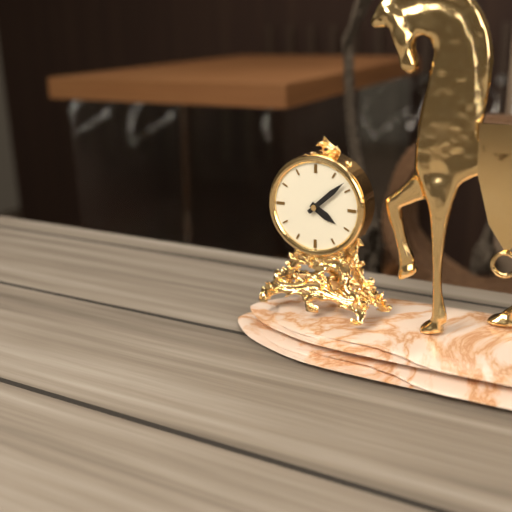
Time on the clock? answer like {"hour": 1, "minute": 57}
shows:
{"hour": 4, "minute": 8}
